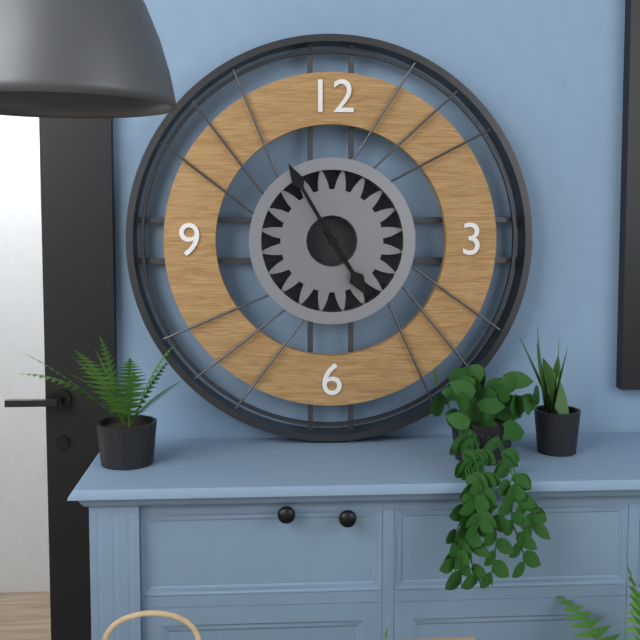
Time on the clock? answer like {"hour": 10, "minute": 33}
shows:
{"hour": 4, "minute": 55}
